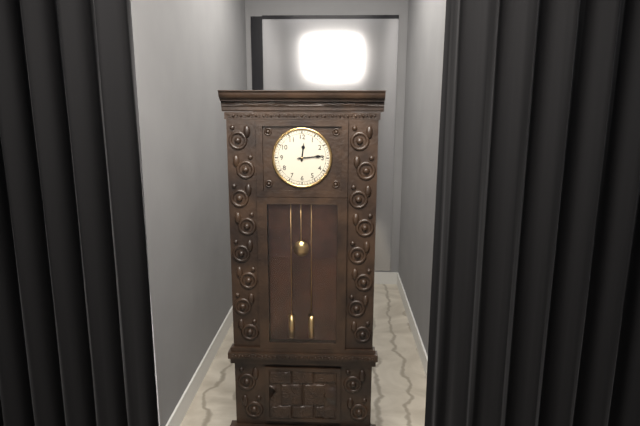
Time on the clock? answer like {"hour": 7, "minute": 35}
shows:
{"hour": 12, "minute": 14}
